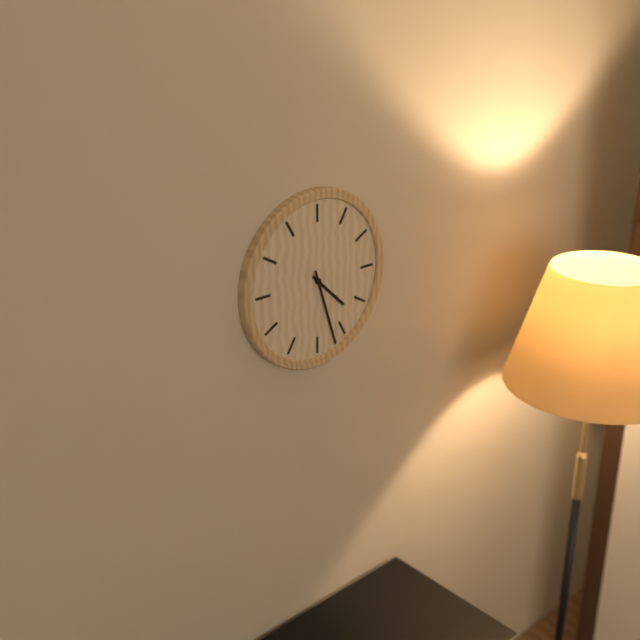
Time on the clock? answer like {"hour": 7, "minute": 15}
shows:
{"hour": 4, "minute": 27}
